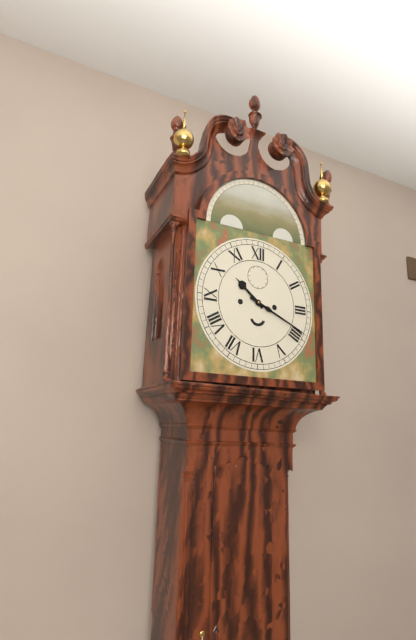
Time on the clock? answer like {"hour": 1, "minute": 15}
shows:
{"hour": 10, "minute": 19}
